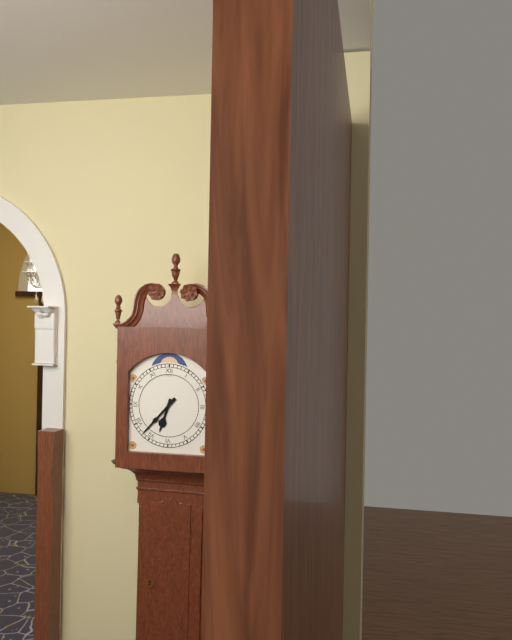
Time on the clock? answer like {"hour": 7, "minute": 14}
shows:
{"hour": 6, "minute": 37}
